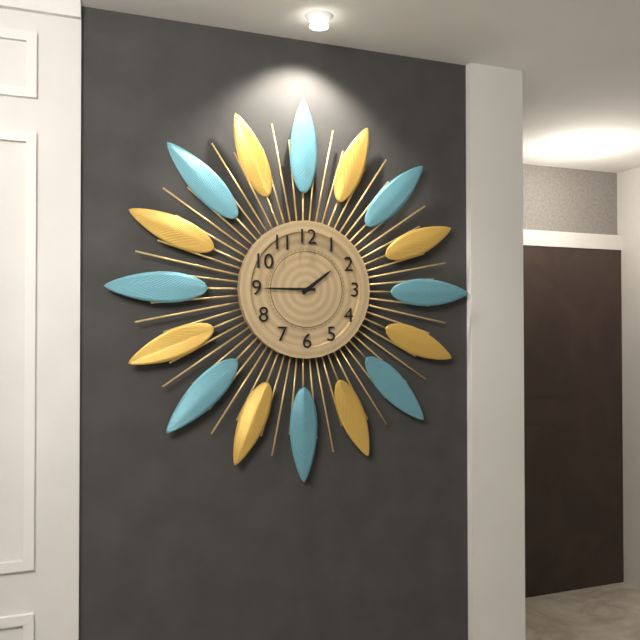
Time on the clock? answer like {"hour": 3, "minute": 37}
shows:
{"hour": 1, "minute": 45}
